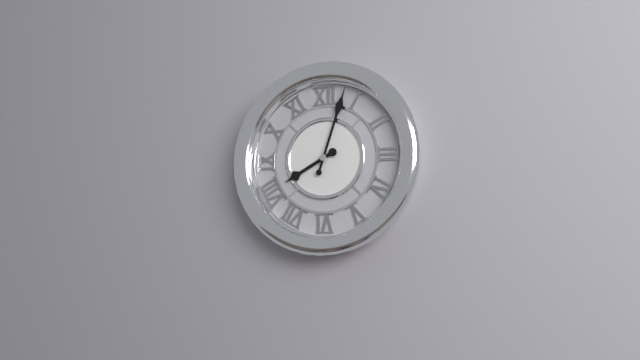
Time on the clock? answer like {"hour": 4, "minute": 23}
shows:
{"hour": 8, "minute": 3}
